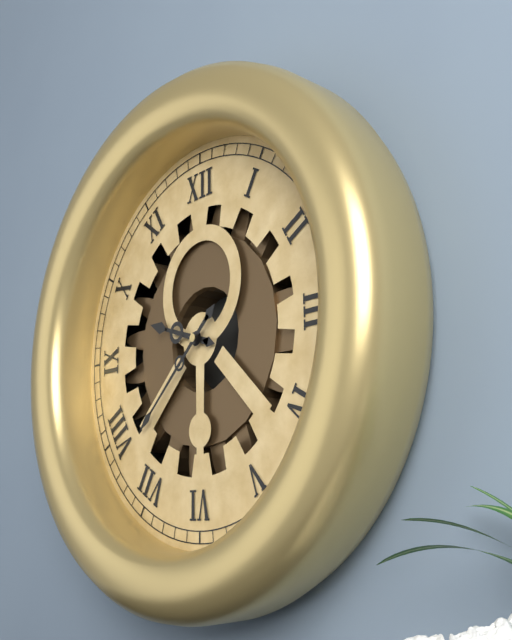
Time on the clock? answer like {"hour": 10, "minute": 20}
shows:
{"hour": 9, "minute": 38}
